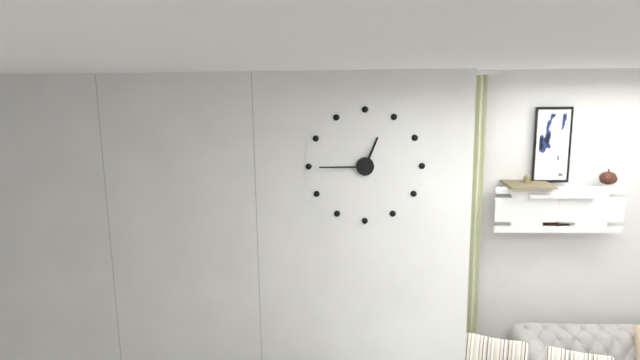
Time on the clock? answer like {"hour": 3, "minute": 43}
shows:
{"hour": 12, "minute": 45}
